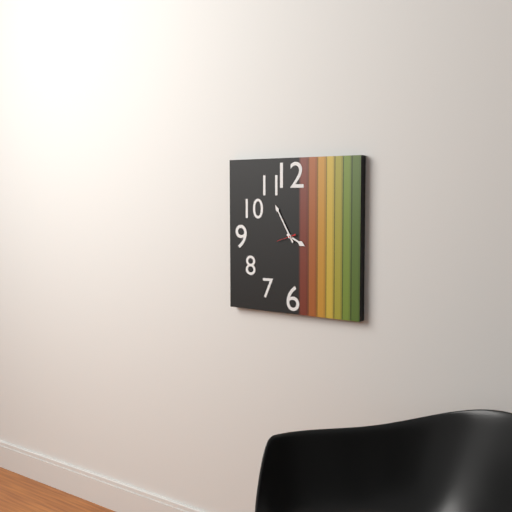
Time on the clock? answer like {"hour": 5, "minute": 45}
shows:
{"hour": 3, "minute": 55}
